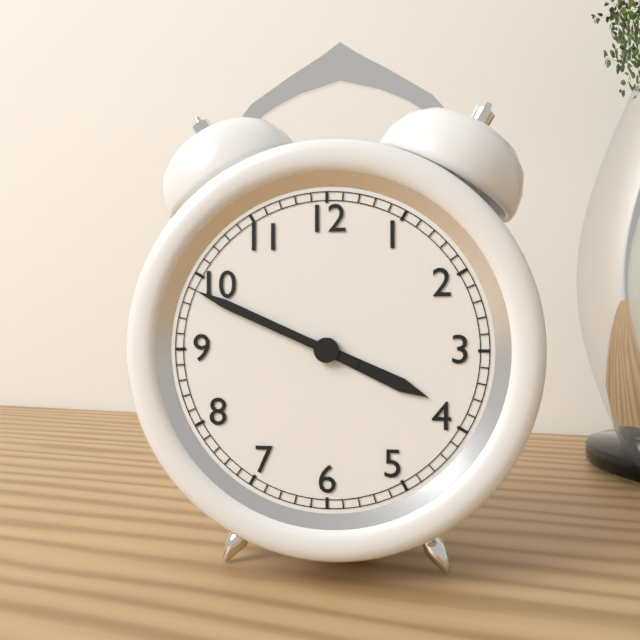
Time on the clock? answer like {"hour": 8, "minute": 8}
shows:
{"hour": 3, "minute": 49}
